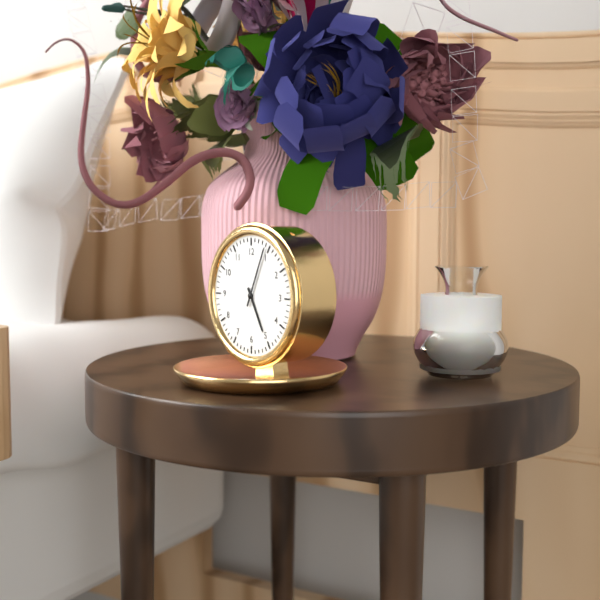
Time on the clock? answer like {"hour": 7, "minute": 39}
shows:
{"hour": 5, "minute": 4}
